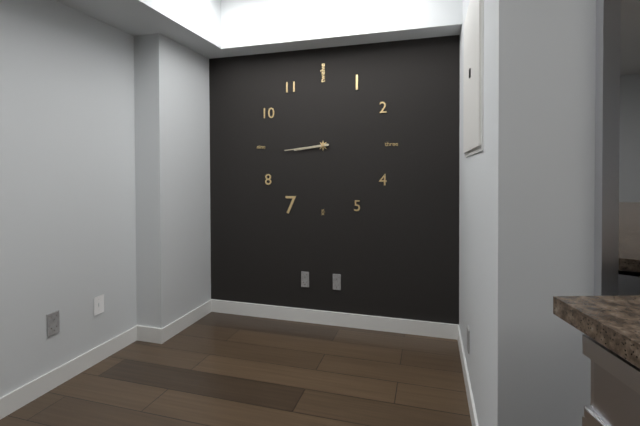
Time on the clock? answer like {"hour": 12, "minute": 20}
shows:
{"hour": 8, "minute": 44}
